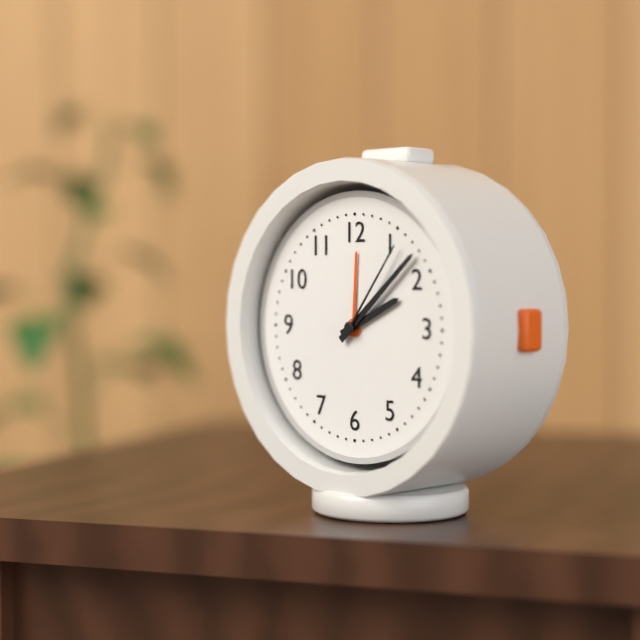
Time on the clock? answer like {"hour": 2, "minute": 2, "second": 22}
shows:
{"hour": 2, "minute": 8, "second": 6}
